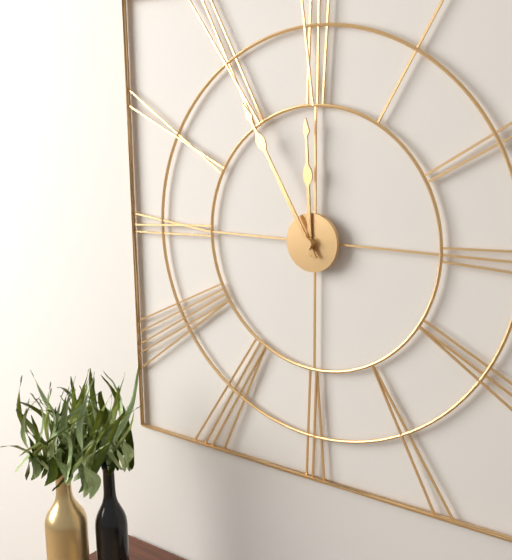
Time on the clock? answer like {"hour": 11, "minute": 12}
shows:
{"hour": 11, "minute": 55}
